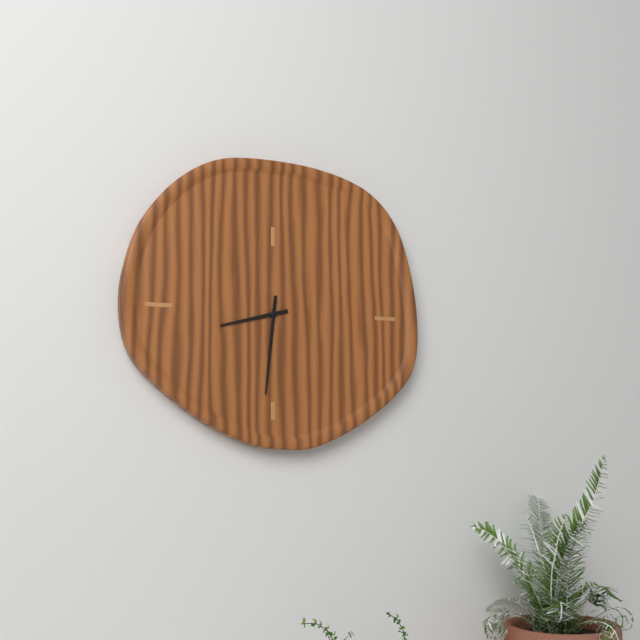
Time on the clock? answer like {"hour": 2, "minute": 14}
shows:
{"hour": 8, "minute": 31}
